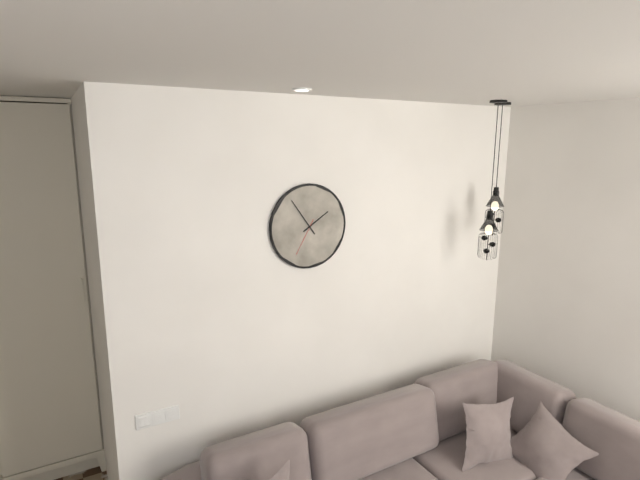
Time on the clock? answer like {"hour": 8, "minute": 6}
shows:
{"hour": 1, "minute": 54}
